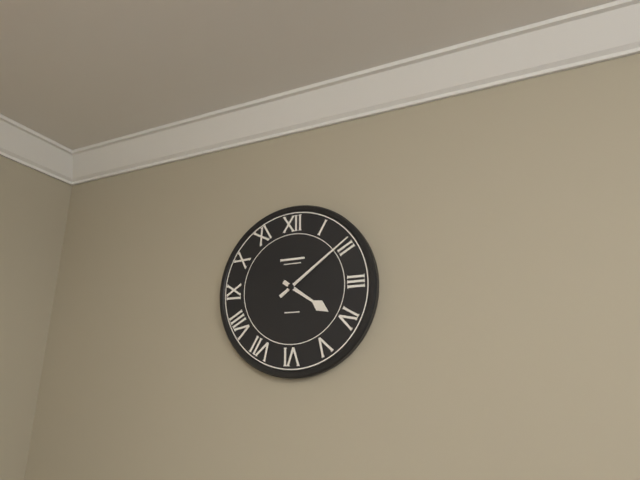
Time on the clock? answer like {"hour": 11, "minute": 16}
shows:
{"hour": 4, "minute": 9}
